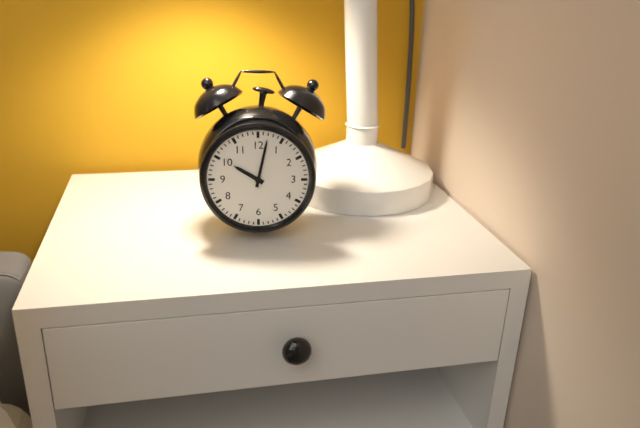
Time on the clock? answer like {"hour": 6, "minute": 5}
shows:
{"hour": 10, "minute": 2}
